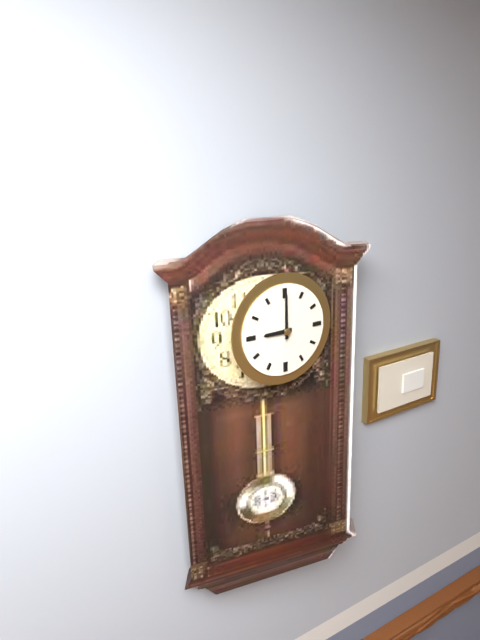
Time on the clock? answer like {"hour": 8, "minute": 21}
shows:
{"hour": 9, "minute": 0}
